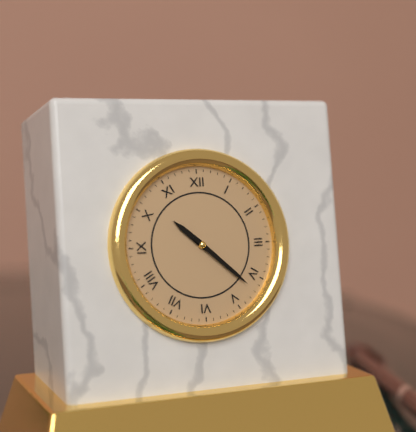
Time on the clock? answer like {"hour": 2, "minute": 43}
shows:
{"hour": 10, "minute": 22}
